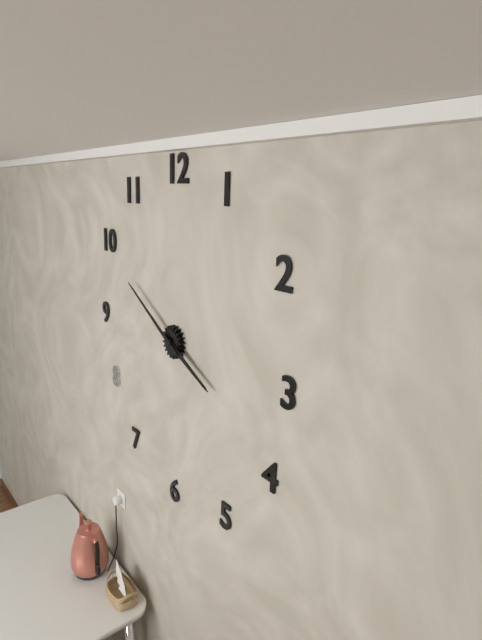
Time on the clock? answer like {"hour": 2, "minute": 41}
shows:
{"hour": 3, "minute": 50}
